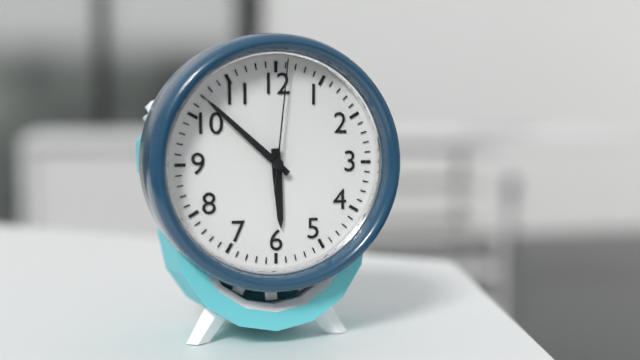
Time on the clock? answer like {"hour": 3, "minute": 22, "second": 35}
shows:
{"hour": 5, "minute": 52, "second": 1}
